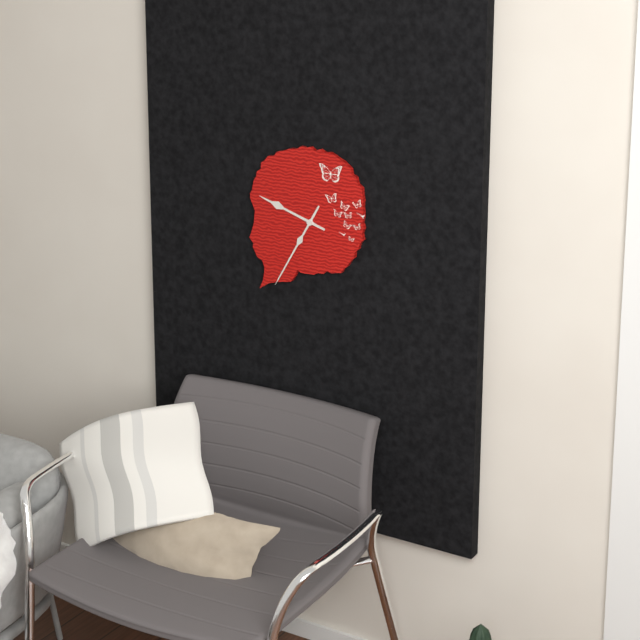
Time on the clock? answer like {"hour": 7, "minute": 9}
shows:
{"hour": 9, "minute": 35}
